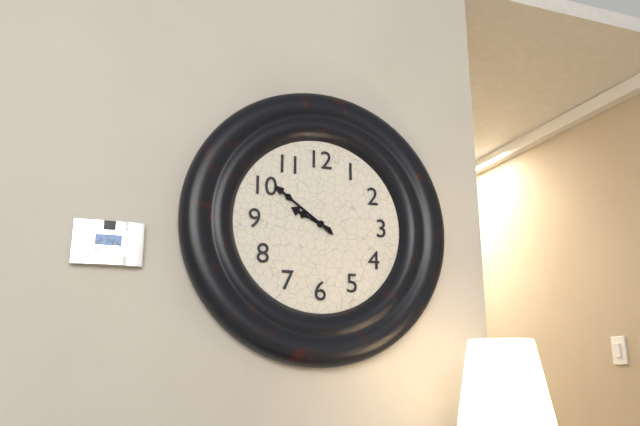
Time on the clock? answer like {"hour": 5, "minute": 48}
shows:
{"hour": 9, "minute": 51}
